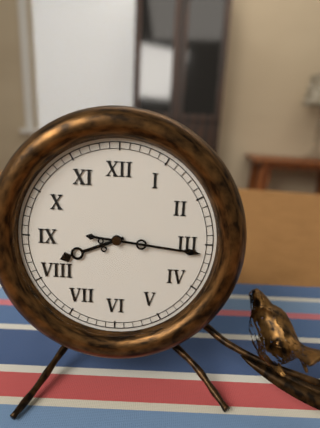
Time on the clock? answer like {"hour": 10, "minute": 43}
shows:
{"hour": 8, "minute": 16}
